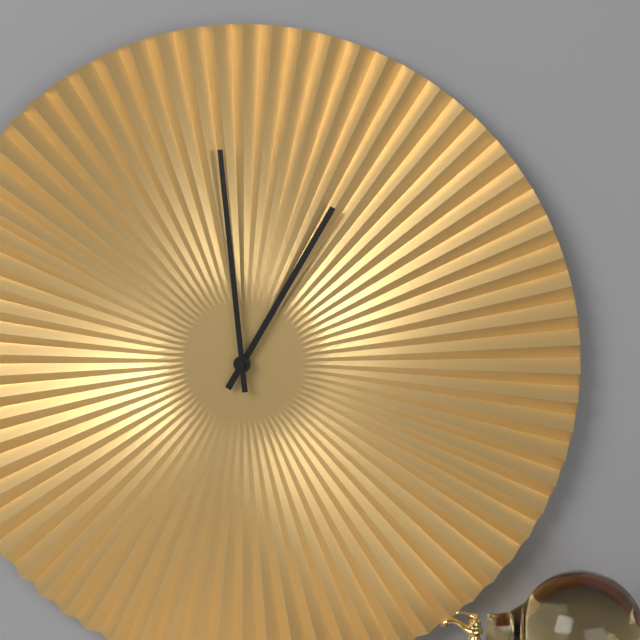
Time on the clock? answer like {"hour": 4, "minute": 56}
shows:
{"hour": 12, "minute": 59}
